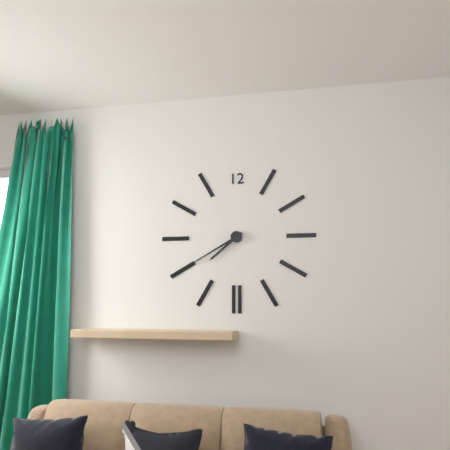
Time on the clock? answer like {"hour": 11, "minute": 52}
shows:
{"hour": 7, "minute": 40}
